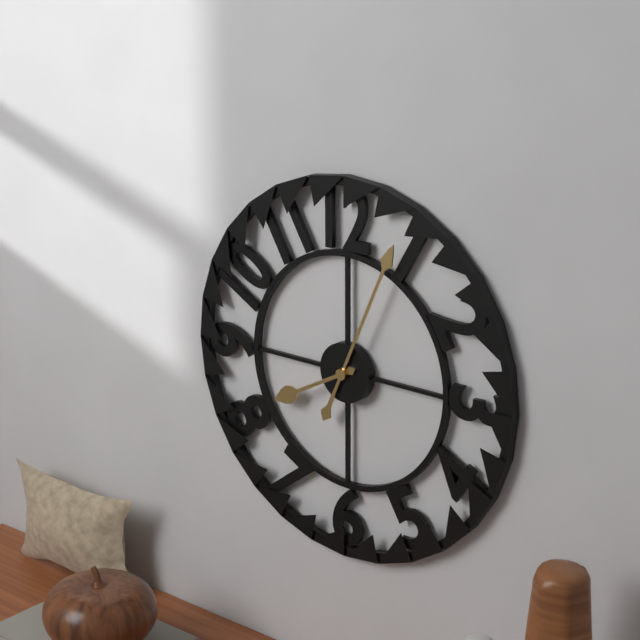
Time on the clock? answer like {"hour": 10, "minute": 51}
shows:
{"hour": 8, "minute": 4}
